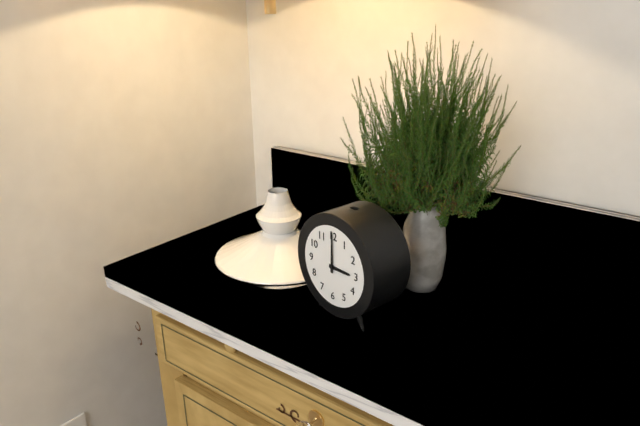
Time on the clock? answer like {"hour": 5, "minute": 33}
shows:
{"hour": 3, "minute": 0}
